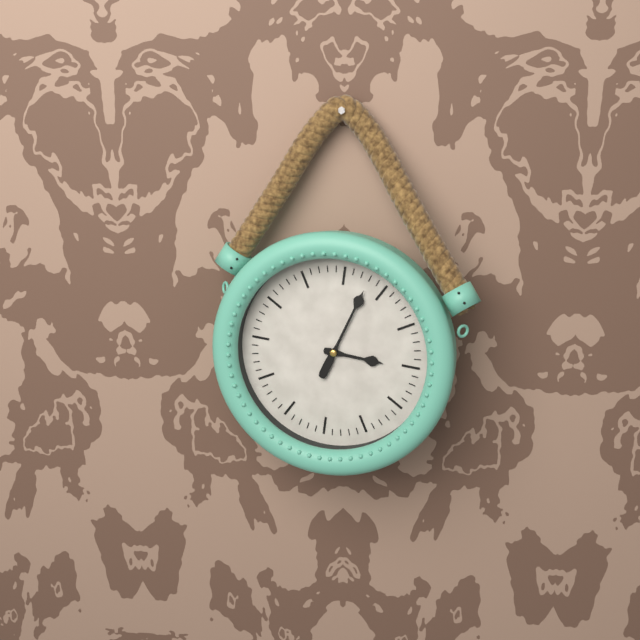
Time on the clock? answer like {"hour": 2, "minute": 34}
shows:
{"hour": 3, "minute": 3}
